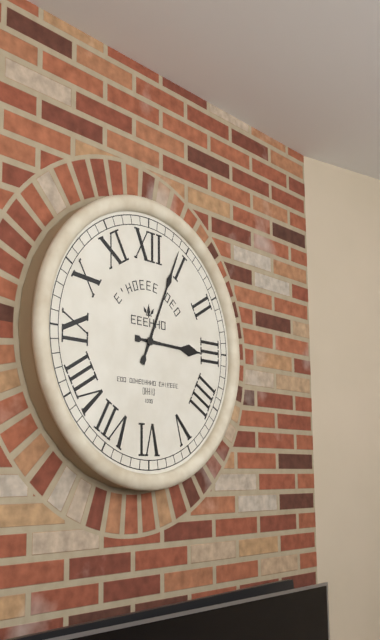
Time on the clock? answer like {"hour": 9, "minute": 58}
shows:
{"hour": 3, "minute": 4}
